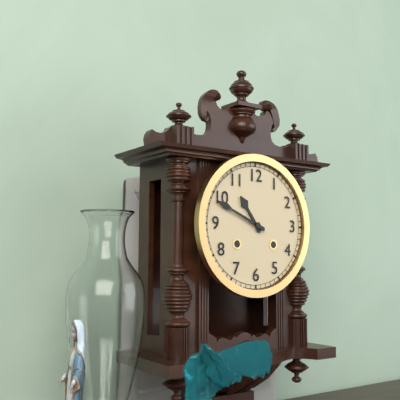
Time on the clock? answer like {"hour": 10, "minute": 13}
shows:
{"hour": 10, "minute": 49}
